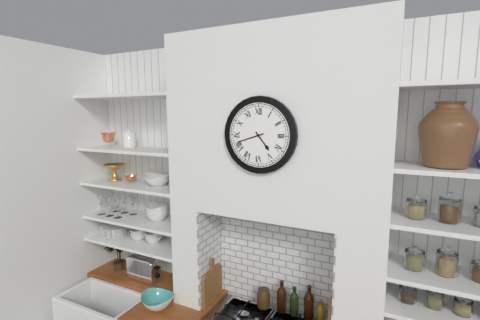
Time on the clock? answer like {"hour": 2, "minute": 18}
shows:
{"hour": 4, "minute": 42}
